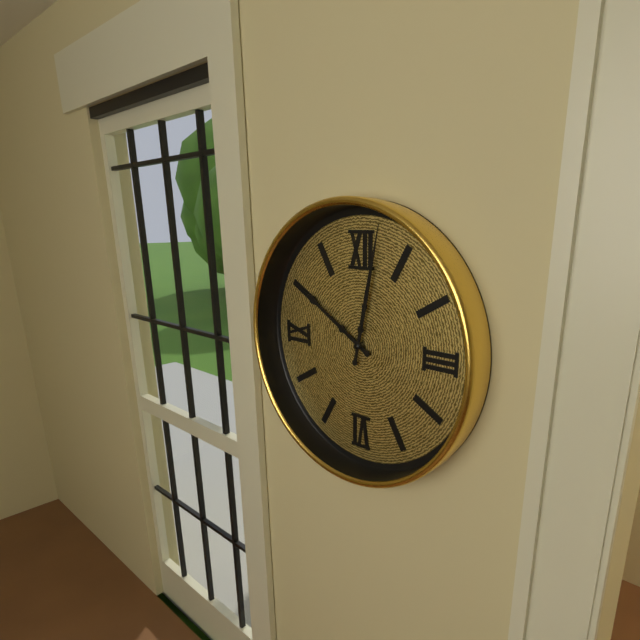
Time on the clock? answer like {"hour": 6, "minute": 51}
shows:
{"hour": 10, "minute": 2}
